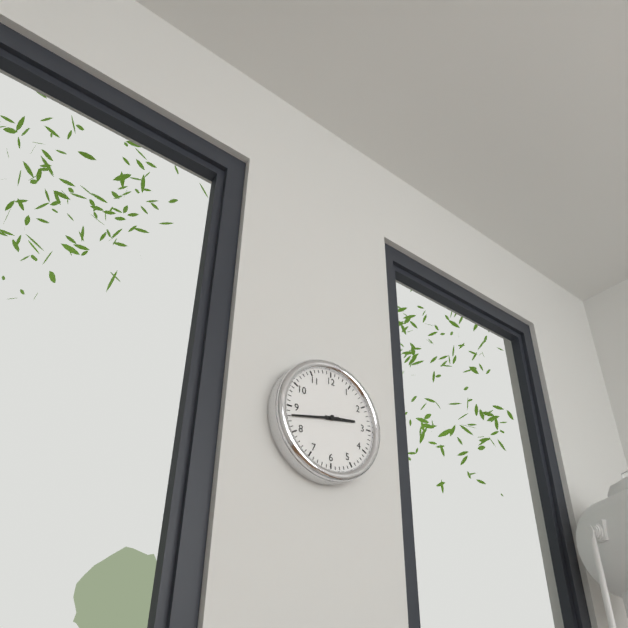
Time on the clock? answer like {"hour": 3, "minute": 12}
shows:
{"hour": 2, "minute": 43}
